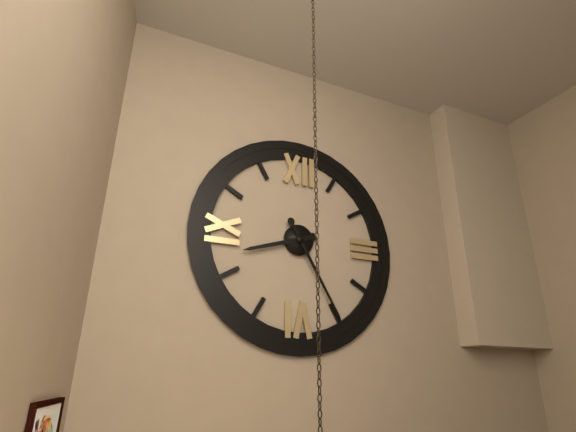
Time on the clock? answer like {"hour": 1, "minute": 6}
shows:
{"hour": 8, "minute": 25}
